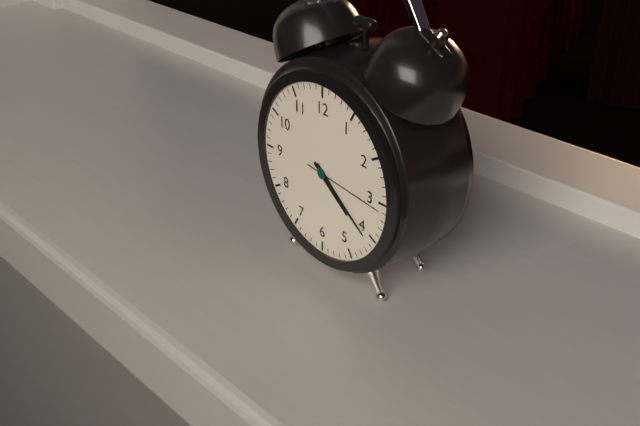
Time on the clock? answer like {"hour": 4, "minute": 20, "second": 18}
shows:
{"hour": 4, "minute": 21, "second": 16}
